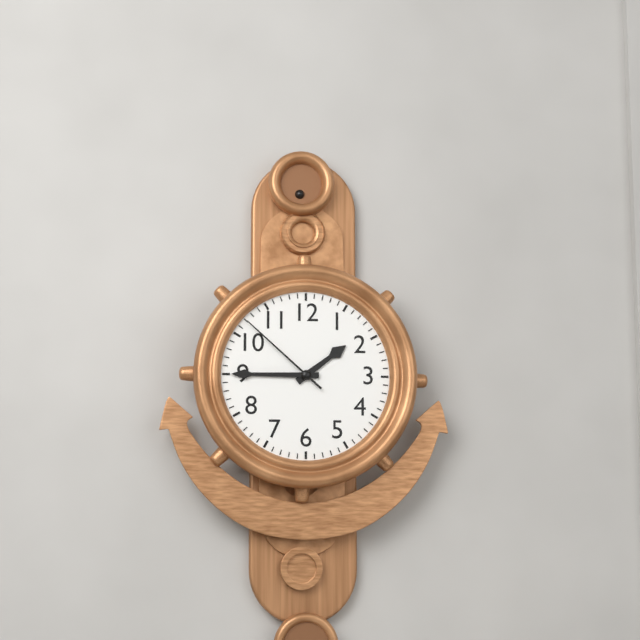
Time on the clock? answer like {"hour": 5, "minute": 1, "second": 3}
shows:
{"hour": 1, "minute": 45, "second": 52}
